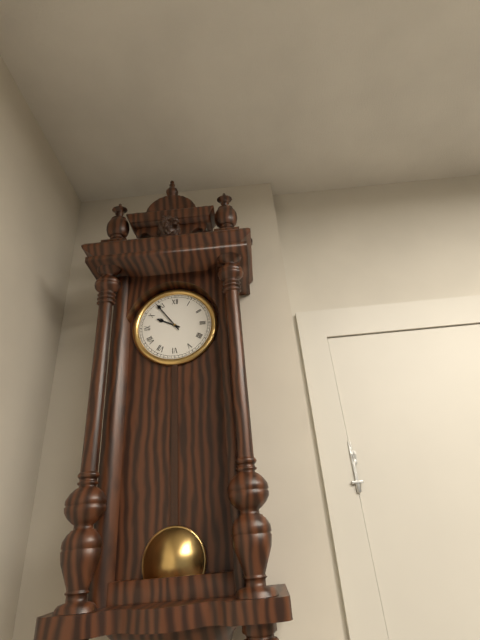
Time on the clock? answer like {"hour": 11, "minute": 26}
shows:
{"hour": 9, "minute": 54}
